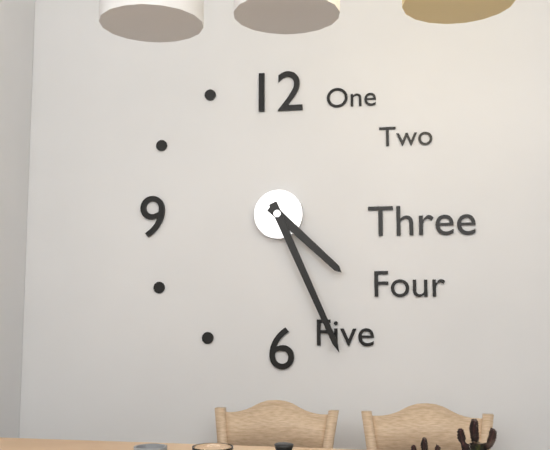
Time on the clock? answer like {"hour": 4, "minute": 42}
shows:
{"hour": 4, "minute": 26}
